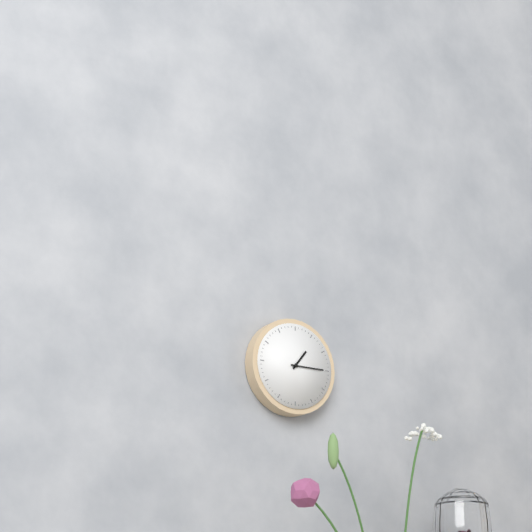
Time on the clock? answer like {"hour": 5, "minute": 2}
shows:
{"hour": 1, "minute": 15}
